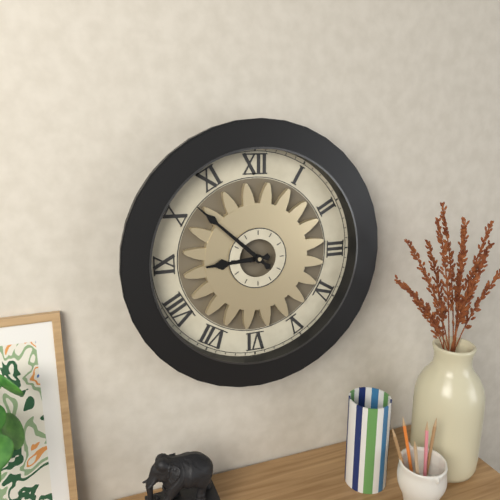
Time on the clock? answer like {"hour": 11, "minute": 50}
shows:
{"hour": 8, "minute": 52}
